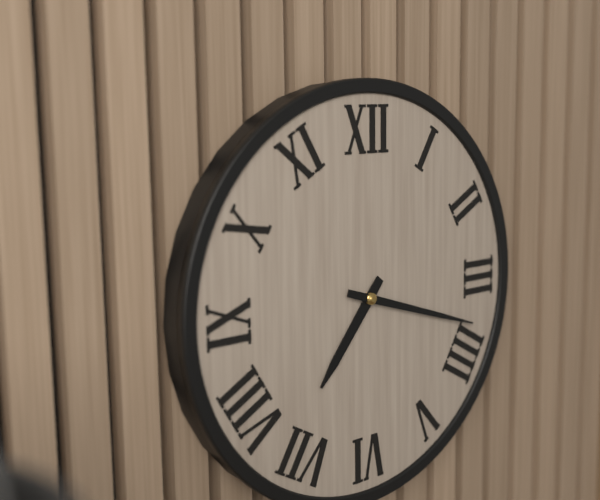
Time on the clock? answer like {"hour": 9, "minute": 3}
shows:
{"hour": 7, "minute": 18}
